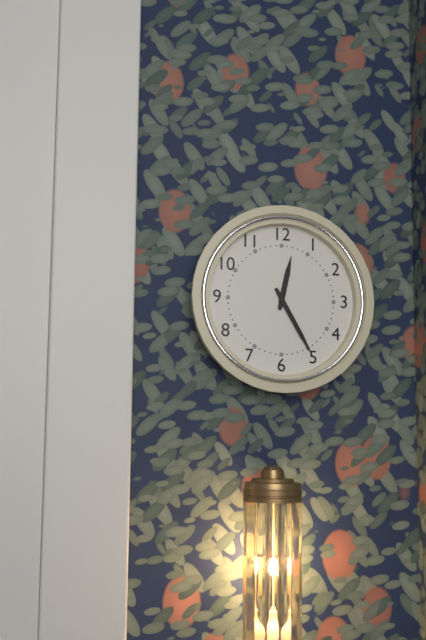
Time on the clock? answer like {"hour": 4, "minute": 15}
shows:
{"hour": 12, "minute": 25}
